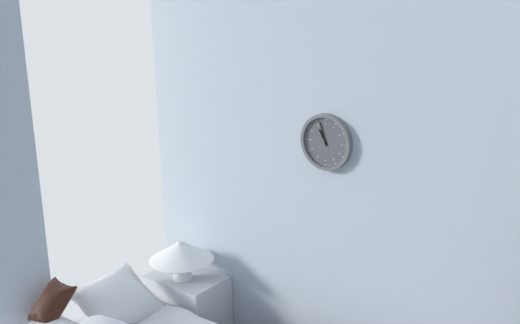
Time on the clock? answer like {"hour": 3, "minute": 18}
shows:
{"hour": 10, "minute": 57}
